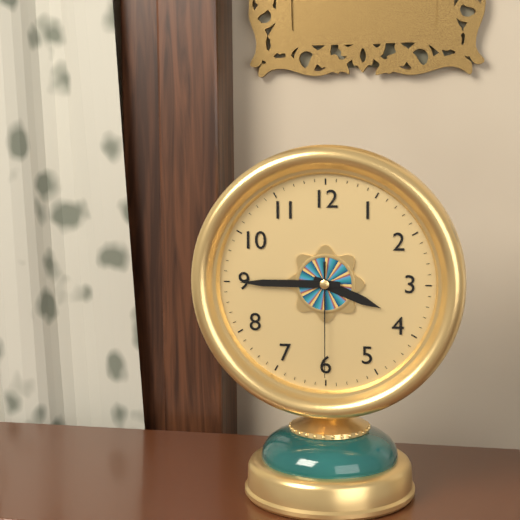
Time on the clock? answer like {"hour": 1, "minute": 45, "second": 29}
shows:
{"hour": 3, "minute": 45, "second": 30}
